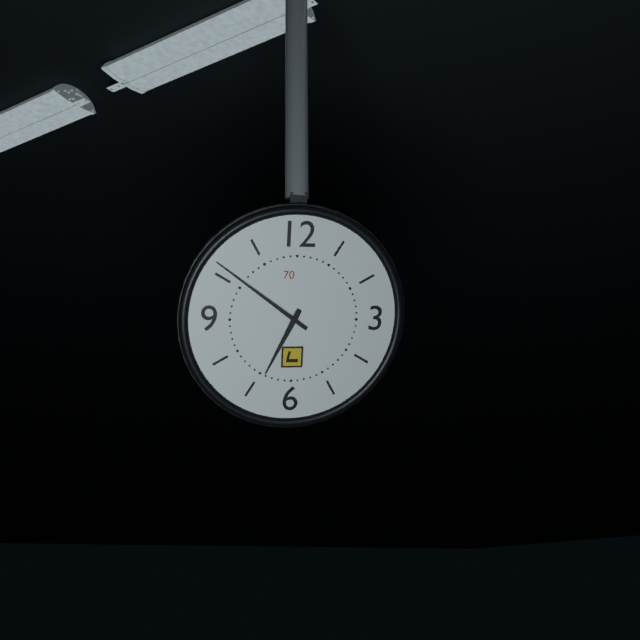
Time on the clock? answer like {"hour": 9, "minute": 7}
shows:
{"hour": 6, "minute": 51}
